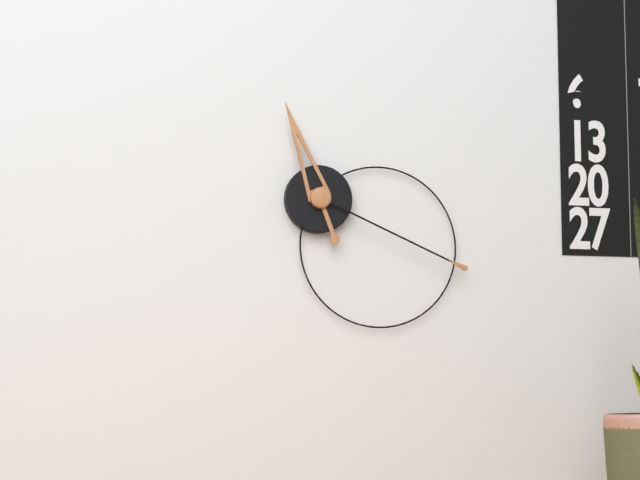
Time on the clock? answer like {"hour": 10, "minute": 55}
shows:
{"hour": 11, "minute": 19}
